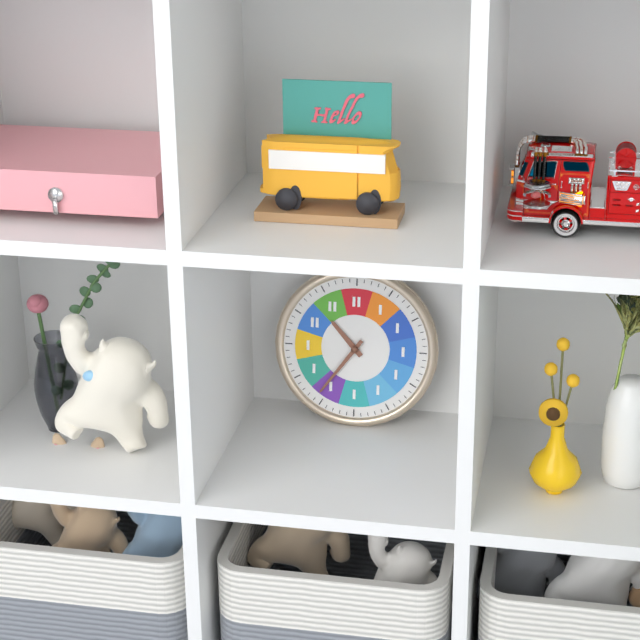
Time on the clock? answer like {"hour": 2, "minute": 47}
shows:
{"hour": 10, "minute": 36}
